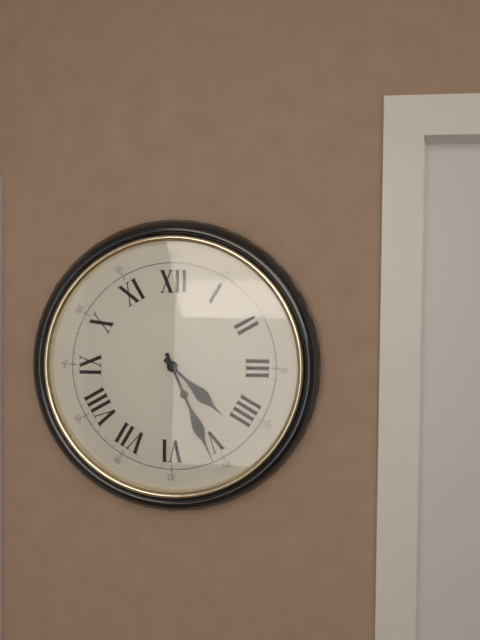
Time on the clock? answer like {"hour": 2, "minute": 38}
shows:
{"hour": 4, "minute": 26}
